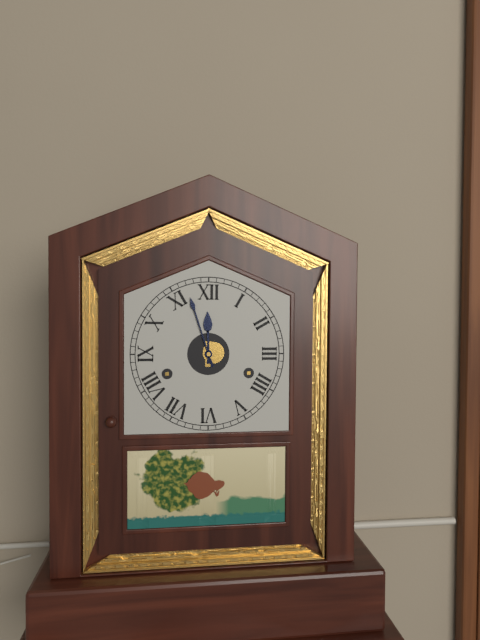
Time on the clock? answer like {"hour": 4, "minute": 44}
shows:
{"hour": 11, "minute": 57}
